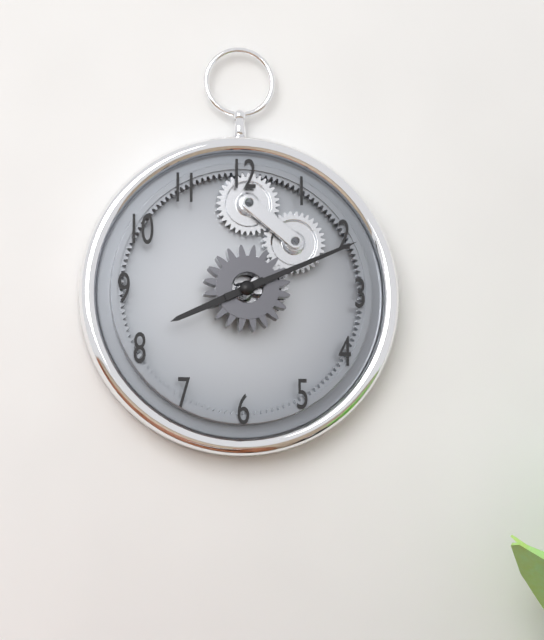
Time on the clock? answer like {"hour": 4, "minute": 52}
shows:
{"hour": 8, "minute": 11}
